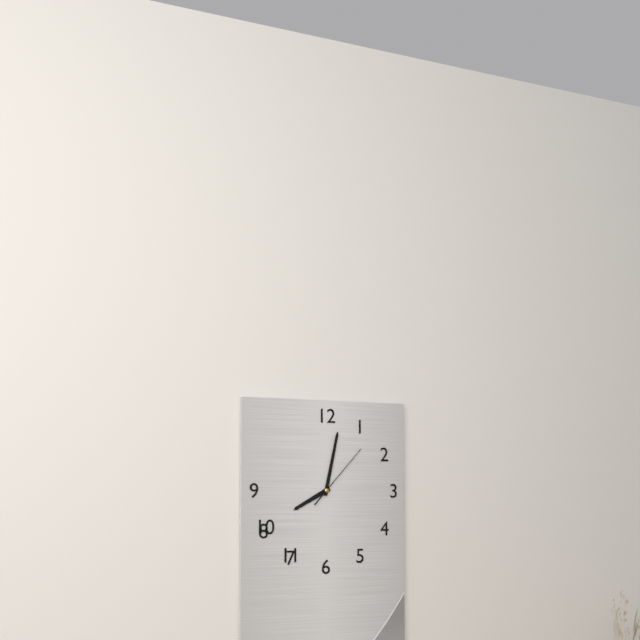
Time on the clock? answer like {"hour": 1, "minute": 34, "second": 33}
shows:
{"hour": 8, "minute": 2, "second": 7}
